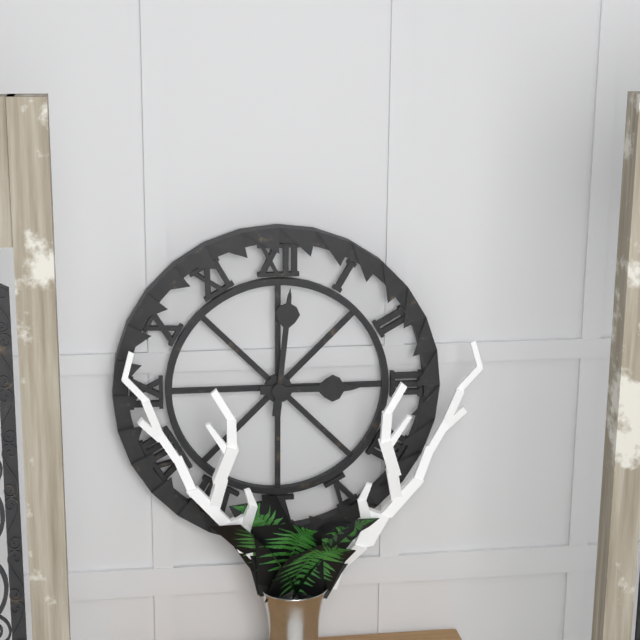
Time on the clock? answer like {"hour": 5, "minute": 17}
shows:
{"hour": 3, "minute": 1}
